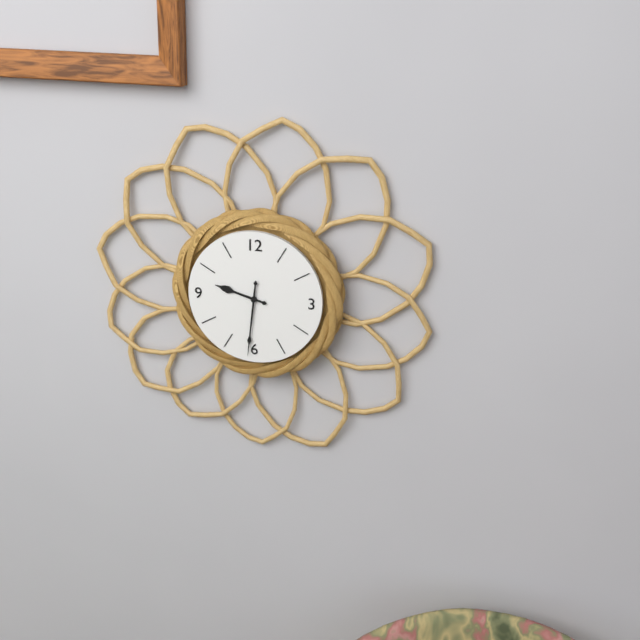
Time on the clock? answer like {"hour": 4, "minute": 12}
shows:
{"hour": 9, "minute": 31}
